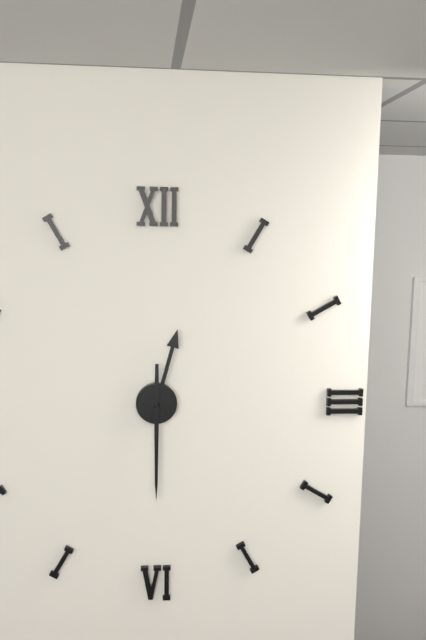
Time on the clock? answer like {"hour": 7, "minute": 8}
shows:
{"hour": 12, "minute": 30}
